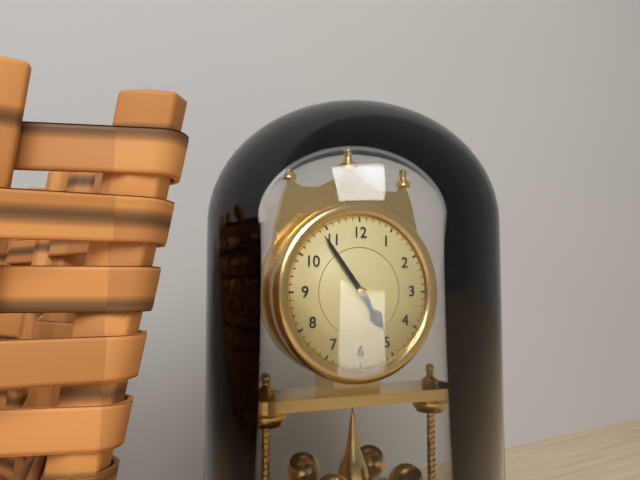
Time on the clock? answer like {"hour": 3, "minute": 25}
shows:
{"hour": 4, "minute": 54}
